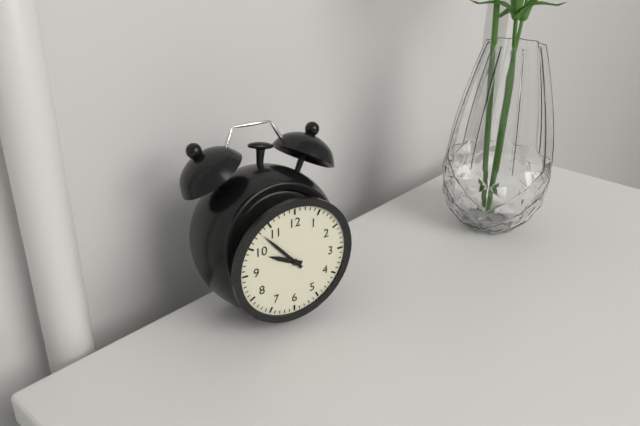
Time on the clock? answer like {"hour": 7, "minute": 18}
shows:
{"hour": 9, "minute": 53}
